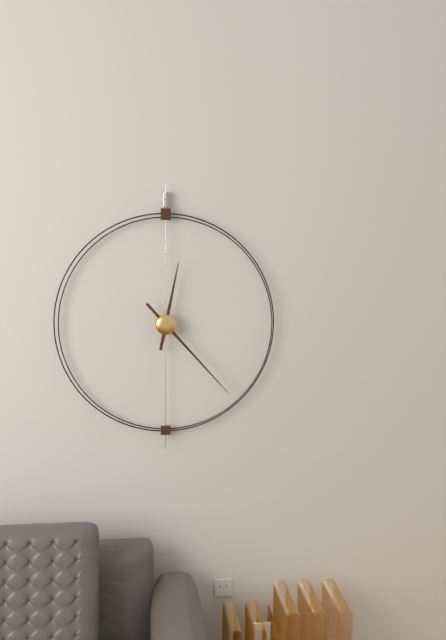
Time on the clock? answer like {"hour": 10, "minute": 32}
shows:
{"hour": 12, "minute": 23}
